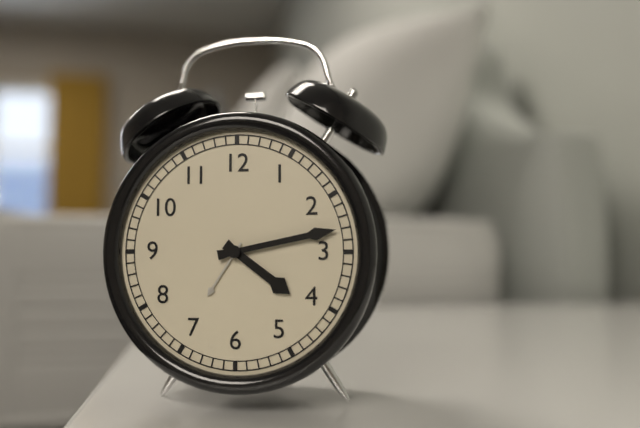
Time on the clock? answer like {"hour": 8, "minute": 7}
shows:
{"hour": 4, "minute": 13}
